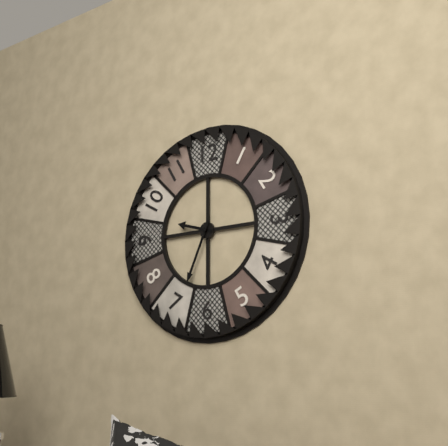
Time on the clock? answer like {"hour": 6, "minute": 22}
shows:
{"hour": 9, "minute": 34}
